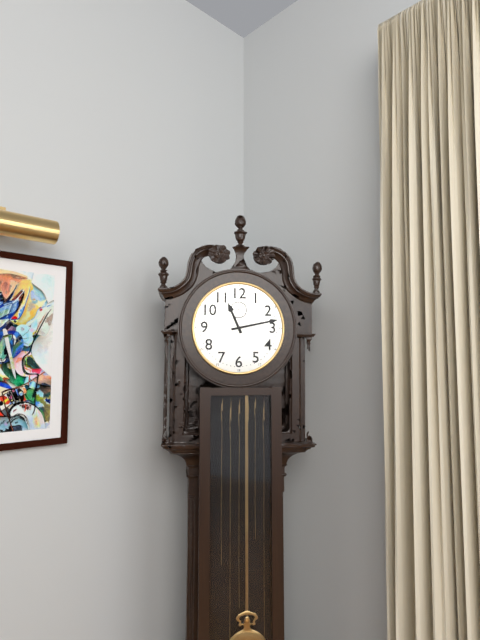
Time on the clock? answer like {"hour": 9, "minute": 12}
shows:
{"hour": 11, "minute": 13}
